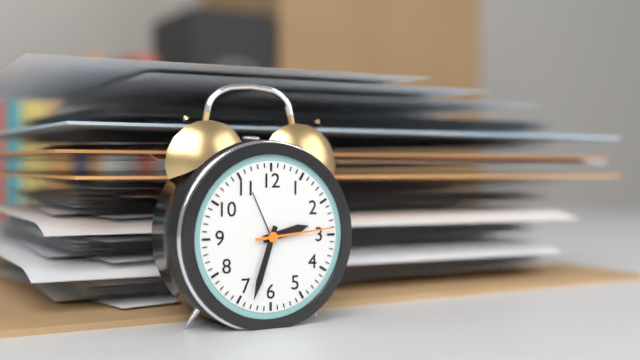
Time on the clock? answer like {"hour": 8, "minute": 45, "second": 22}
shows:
{"hour": 2, "minute": 33, "second": 14}
